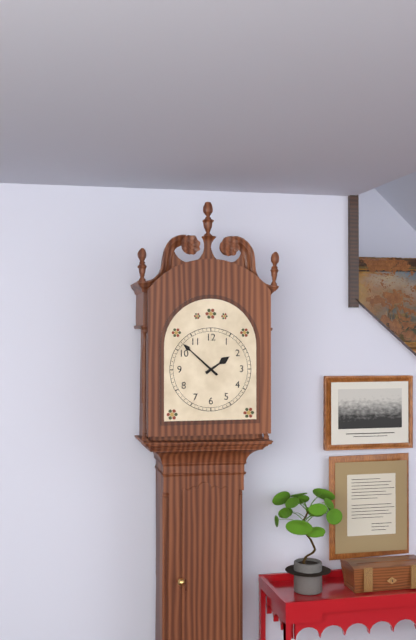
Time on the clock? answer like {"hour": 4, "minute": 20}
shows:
{"hour": 1, "minute": 52}
